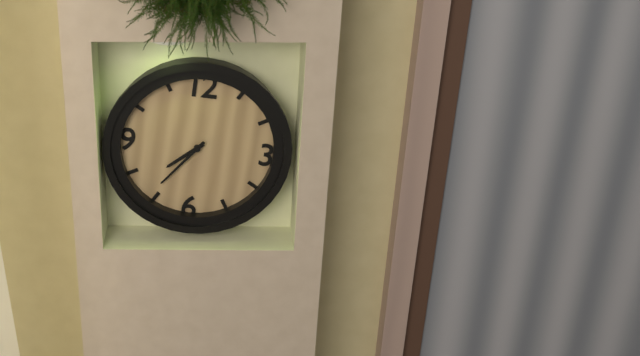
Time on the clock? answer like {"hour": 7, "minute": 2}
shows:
{"hour": 7, "minute": 36}
